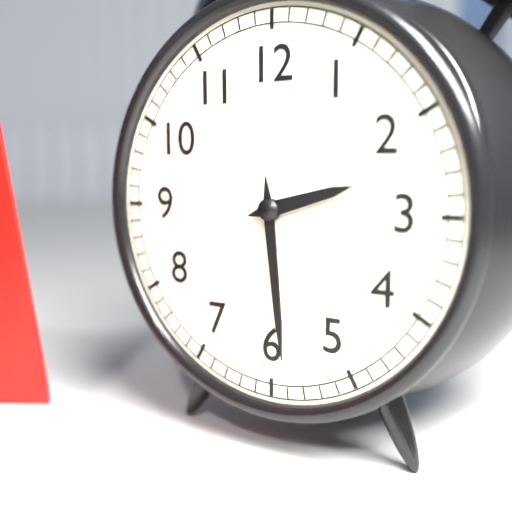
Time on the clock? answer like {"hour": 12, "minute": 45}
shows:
{"hour": 2, "minute": 29}
